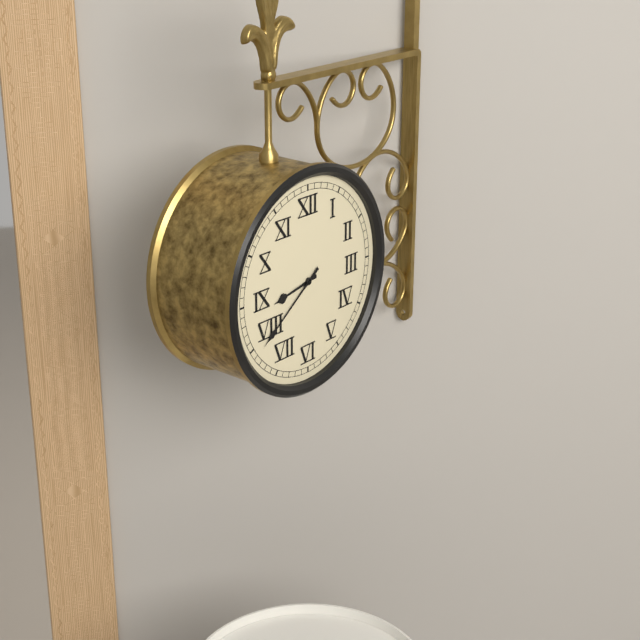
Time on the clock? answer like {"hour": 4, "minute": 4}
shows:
{"hour": 8, "minute": 39}
